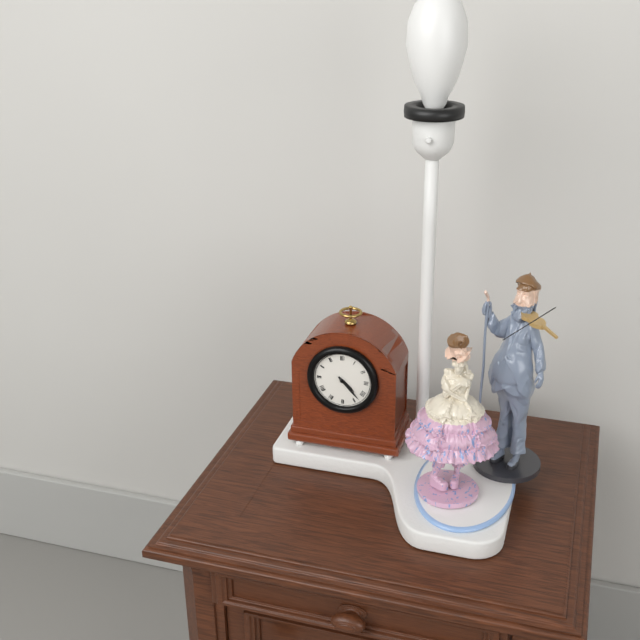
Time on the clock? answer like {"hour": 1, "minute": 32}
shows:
{"hour": 4, "minute": 23}
